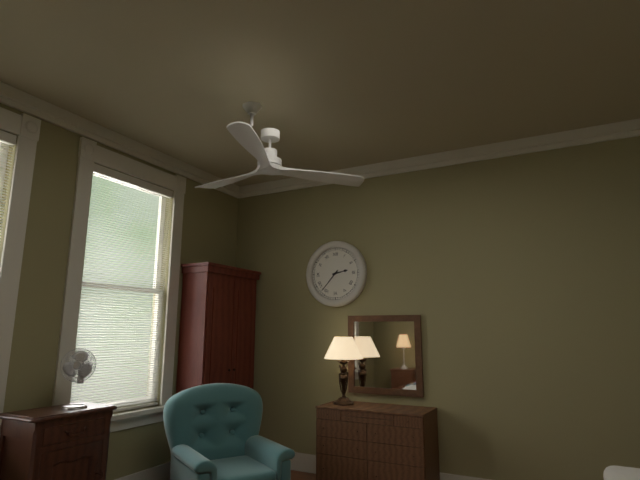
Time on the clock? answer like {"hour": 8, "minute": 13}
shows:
{"hour": 2, "minute": 37}
